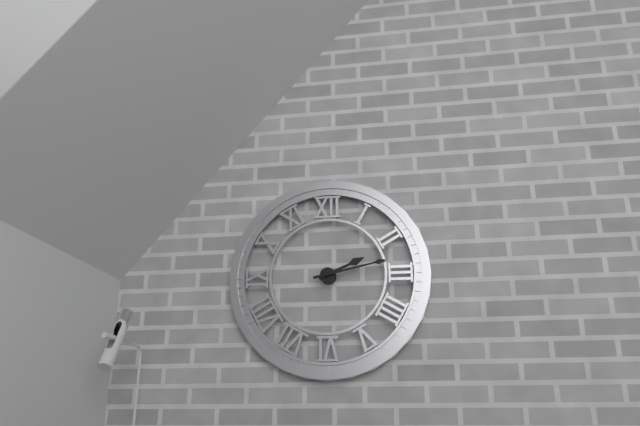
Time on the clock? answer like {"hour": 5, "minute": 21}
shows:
{"hour": 2, "minute": 13}
